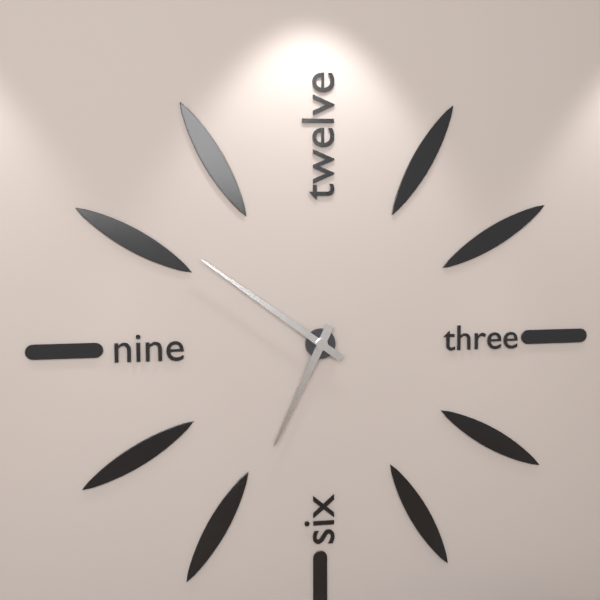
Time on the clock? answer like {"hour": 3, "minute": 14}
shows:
{"hour": 6, "minute": 51}
